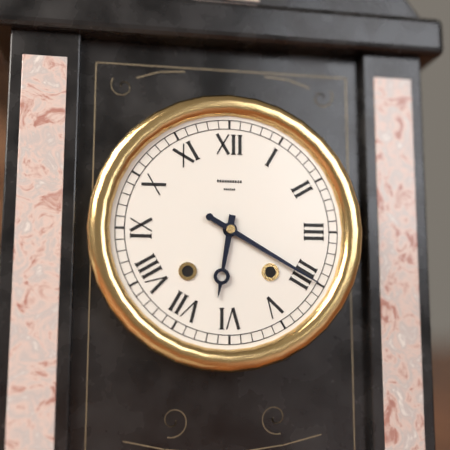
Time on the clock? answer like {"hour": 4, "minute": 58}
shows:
{"hour": 6, "minute": 20}
